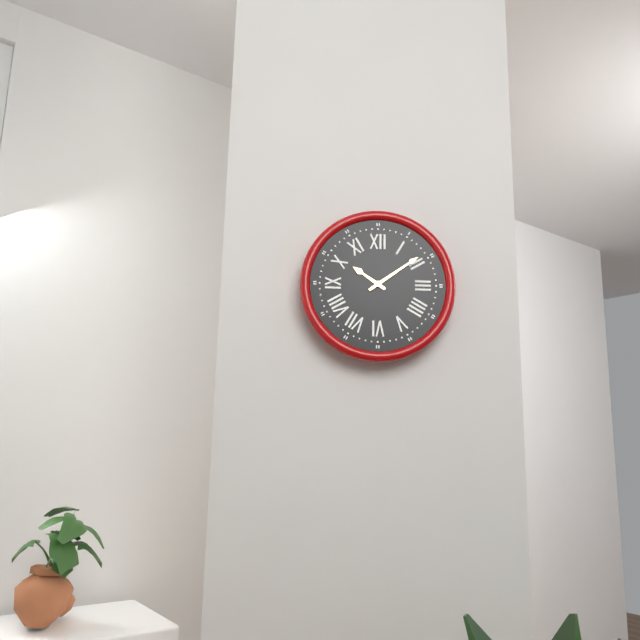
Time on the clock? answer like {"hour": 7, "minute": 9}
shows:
{"hour": 10, "minute": 9}
